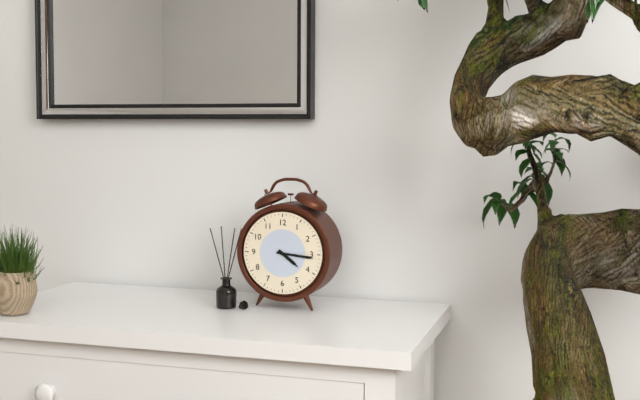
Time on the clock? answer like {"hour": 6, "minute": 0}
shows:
{"hour": 4, "minute": 16}
